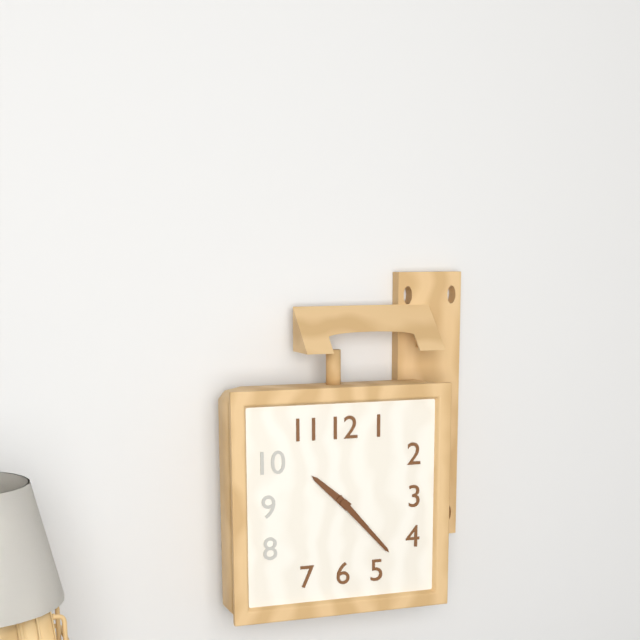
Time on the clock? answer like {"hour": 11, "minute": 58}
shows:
{"hour": 10, "minute": 23}
